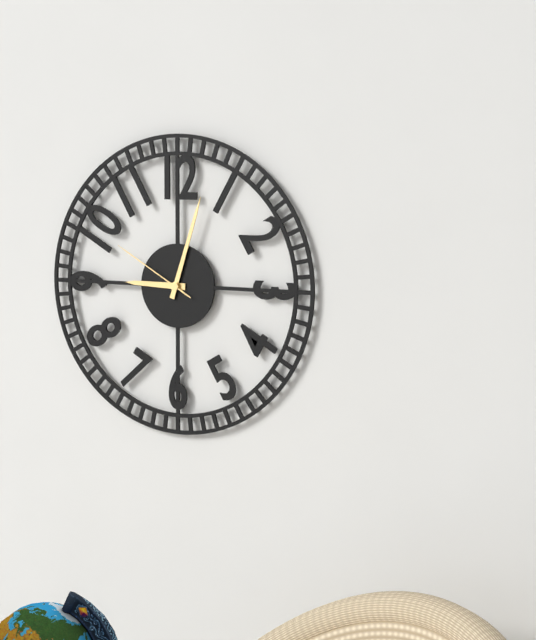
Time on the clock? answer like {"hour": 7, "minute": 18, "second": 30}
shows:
{"hour": 9, "minute": 3, "second": 50}
